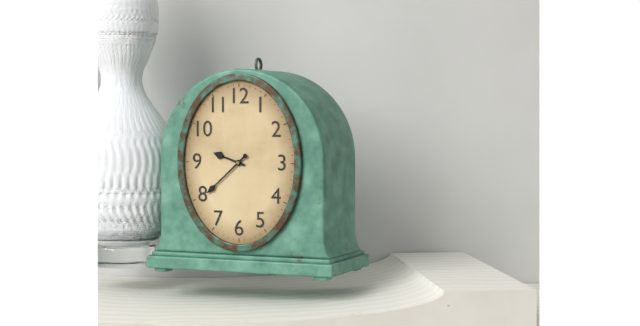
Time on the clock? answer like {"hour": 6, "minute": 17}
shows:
{"hour": 9, "minute": 38}
